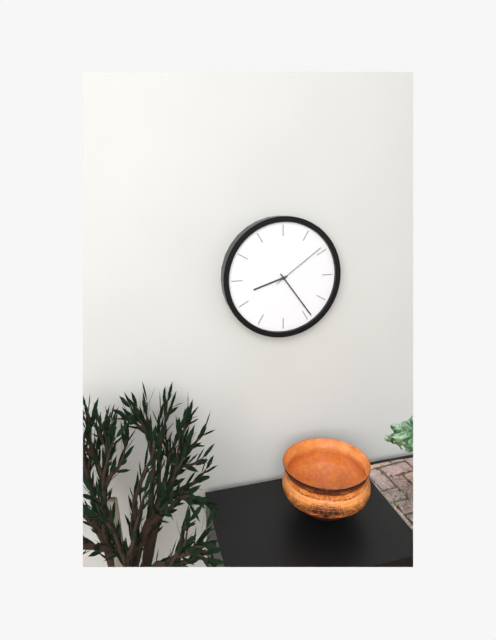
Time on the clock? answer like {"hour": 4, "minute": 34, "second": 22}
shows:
{"hour": 8, "minute": 24, "second": 9}
